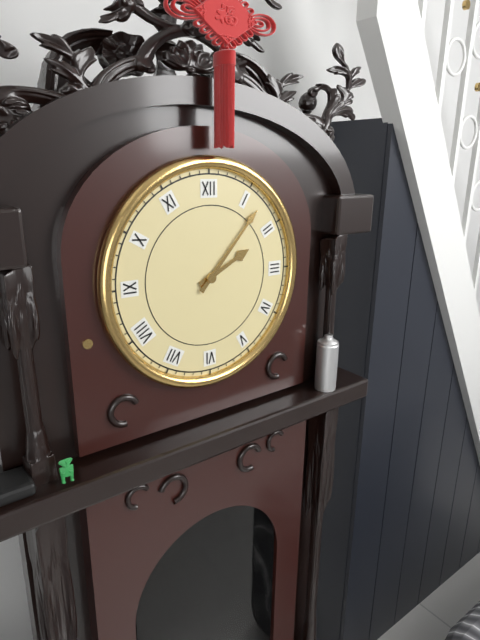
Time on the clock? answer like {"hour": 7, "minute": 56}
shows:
{"hour": 2, "minute": 7}
